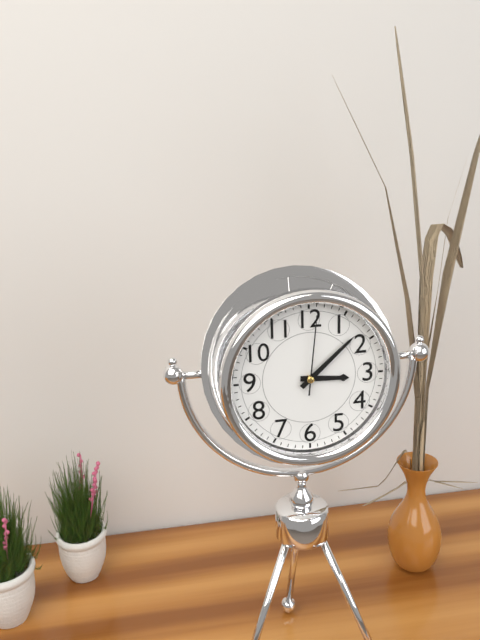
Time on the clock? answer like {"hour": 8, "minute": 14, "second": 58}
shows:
{"hour": 3, "minute": 8, "second": 1}
